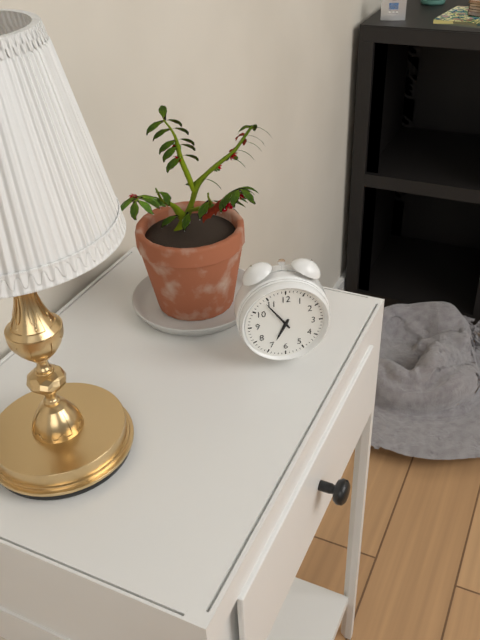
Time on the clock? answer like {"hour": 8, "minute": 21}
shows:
{"hour": 6, "minute": 54}
